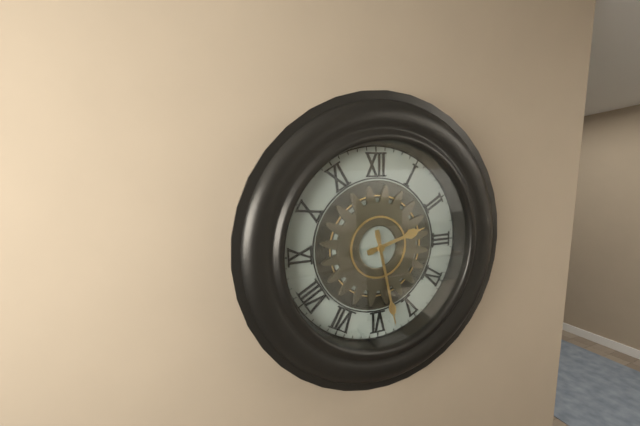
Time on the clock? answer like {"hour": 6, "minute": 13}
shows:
{"hour": 2, "minute": 28}
